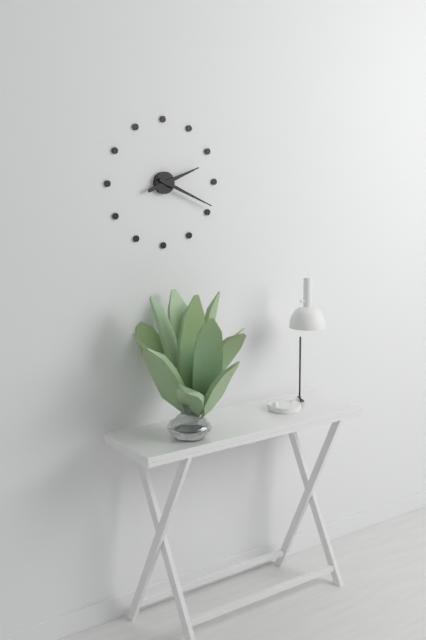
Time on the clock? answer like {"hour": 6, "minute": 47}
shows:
{"hour": 2, "minute": 19}
